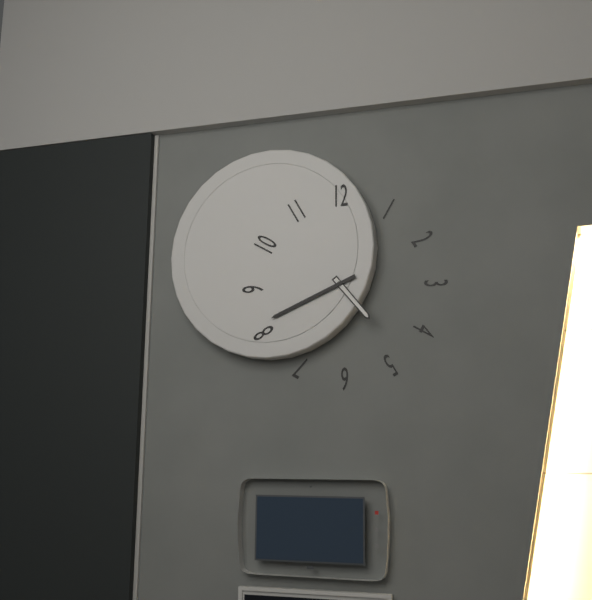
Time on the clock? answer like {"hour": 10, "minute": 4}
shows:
{"hour": 4, "minute": 41}
